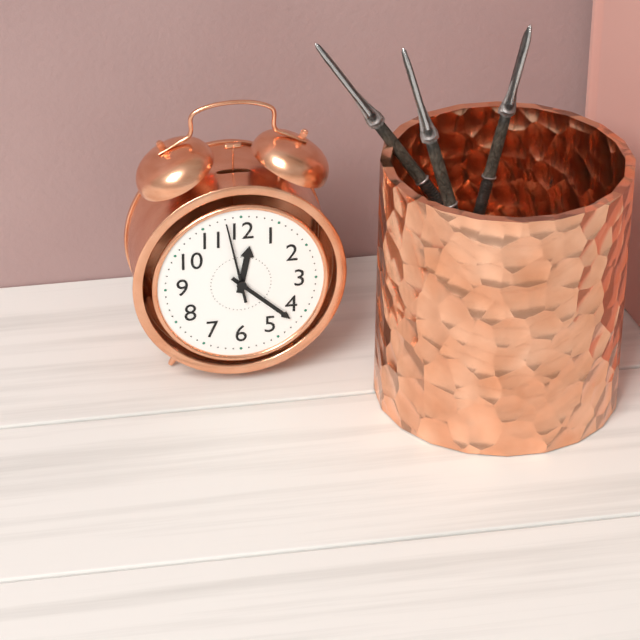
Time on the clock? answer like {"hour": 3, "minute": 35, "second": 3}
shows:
{"hour": 12, "minute": 22, "second": 58}
